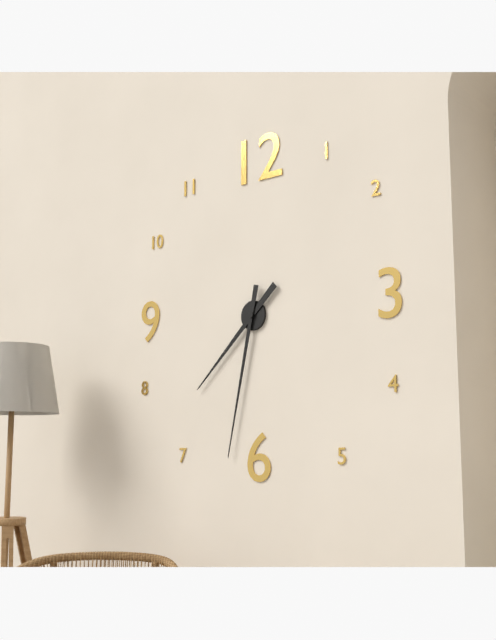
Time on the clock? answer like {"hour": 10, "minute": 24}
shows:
{"hour": 7, "minute": 32}
